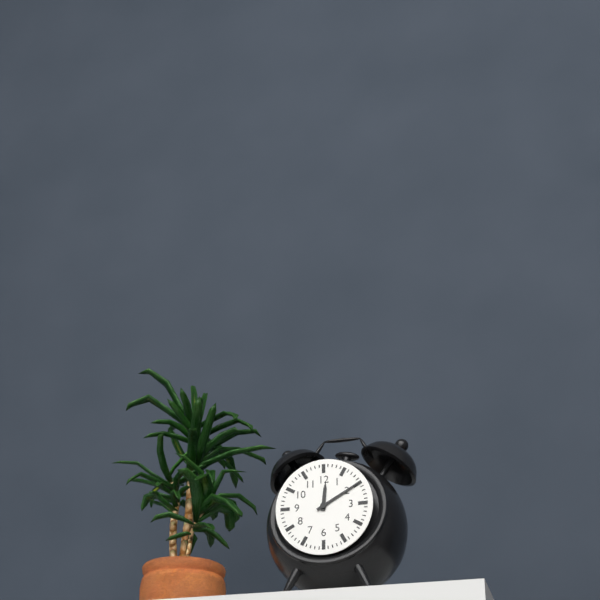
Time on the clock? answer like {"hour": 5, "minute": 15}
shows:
{"hour": 12, "minute": 10}
